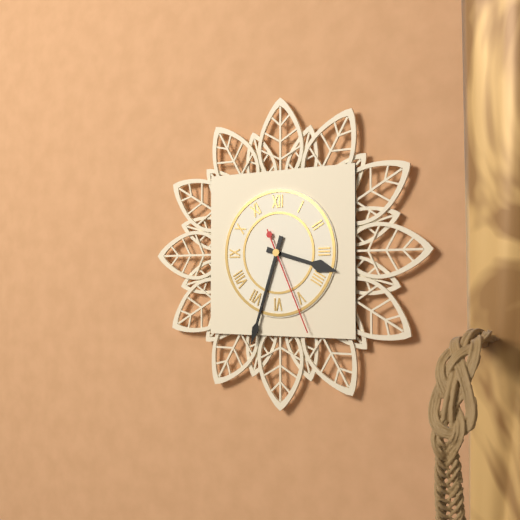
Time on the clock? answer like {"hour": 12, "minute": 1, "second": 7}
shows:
{"hour": 3, "minute": 33, "second": 26}
